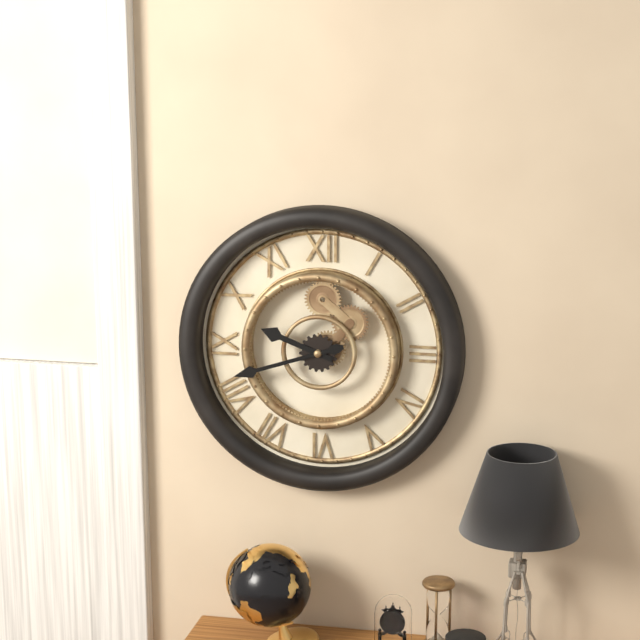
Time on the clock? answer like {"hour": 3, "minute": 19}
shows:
{"hour": 9, "minute": 42}
